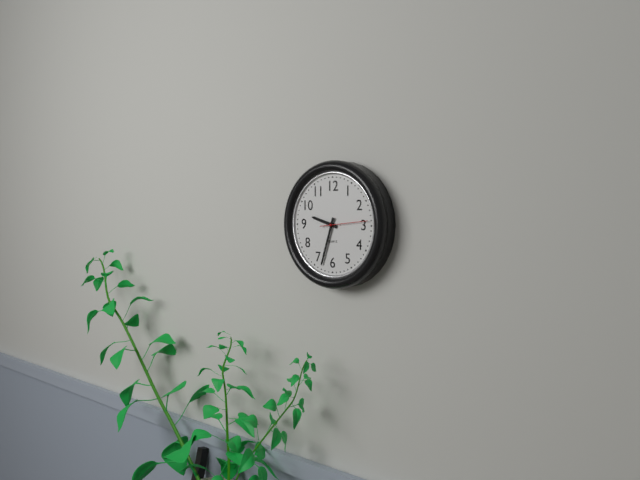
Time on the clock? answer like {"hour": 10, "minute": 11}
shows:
{"hour": 9, "minute": 33}
